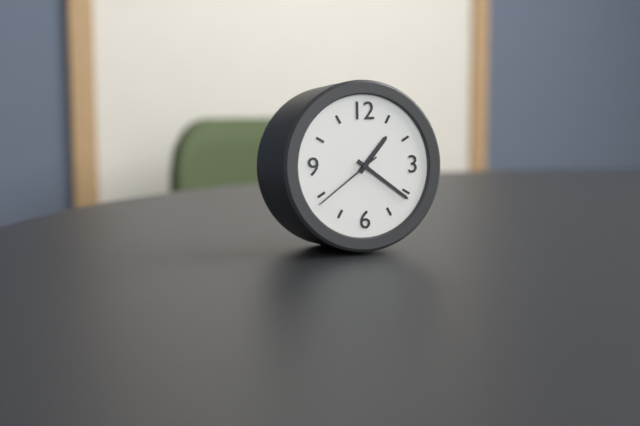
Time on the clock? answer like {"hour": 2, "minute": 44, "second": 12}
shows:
{"hour": 1, "minute": 21, "second": 39}
